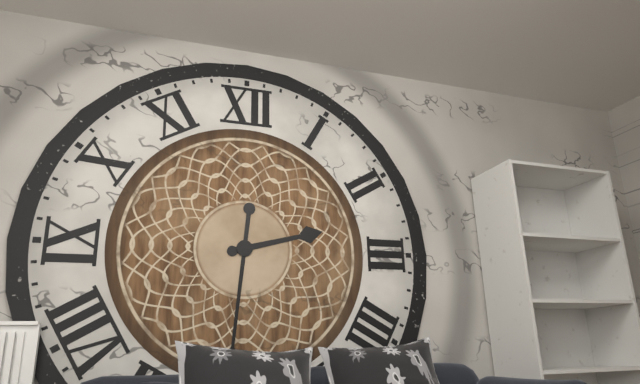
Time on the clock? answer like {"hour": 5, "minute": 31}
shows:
{"hour": 2, "minute": 31}
